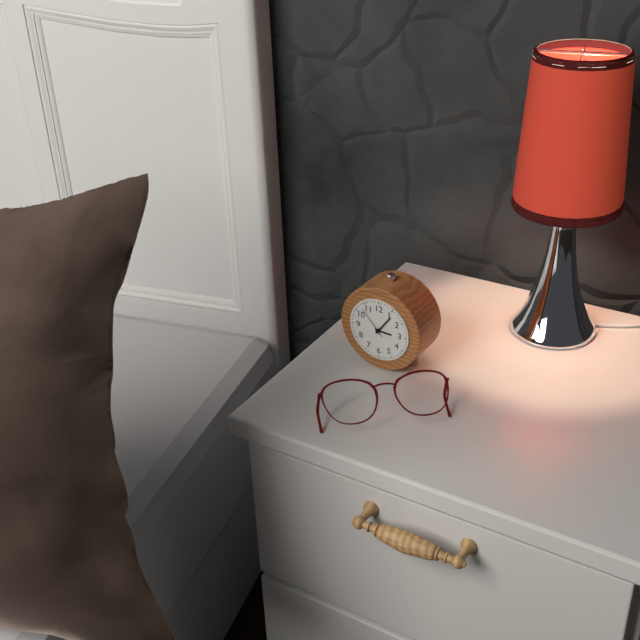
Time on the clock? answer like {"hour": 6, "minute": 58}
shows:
{"hour": 3, "minute": 6}
